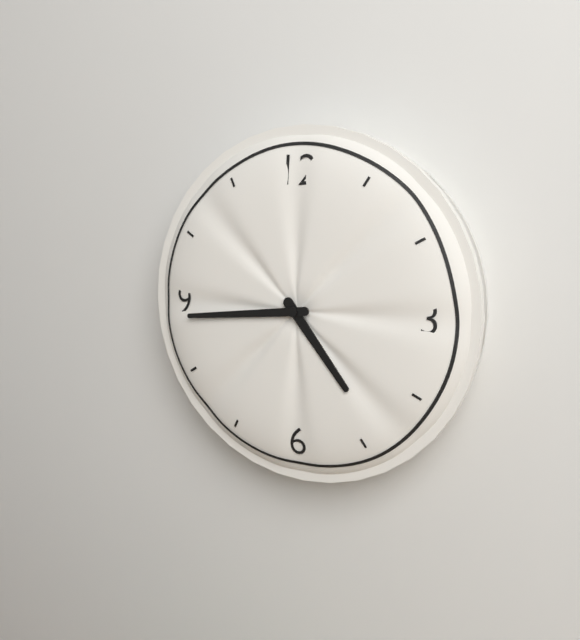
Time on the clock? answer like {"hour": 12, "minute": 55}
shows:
{"hour": 4, "minute": 44}
